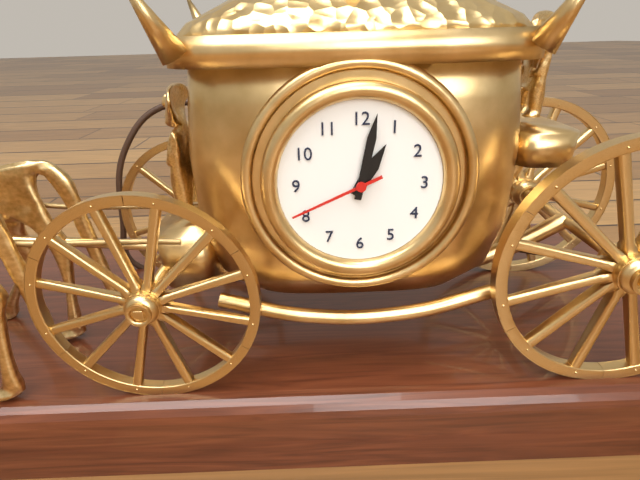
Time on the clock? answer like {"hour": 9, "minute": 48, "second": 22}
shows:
{"hour": 1, "minute": 2, "second": 41}
